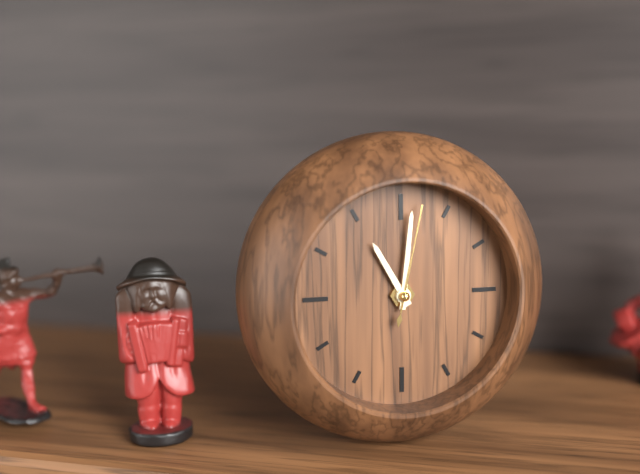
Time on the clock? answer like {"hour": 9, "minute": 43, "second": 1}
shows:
{"hour": 11, "minute": 1, "second": 2}
